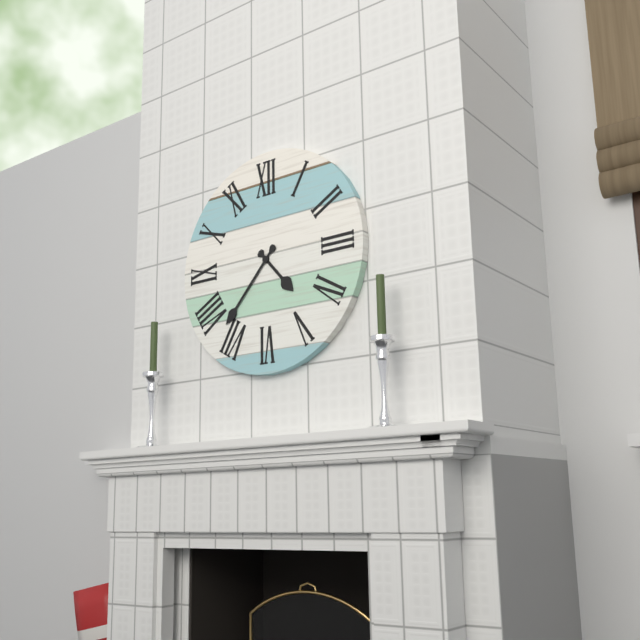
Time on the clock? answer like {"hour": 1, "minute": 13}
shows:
{"hour": 4, "minute": 37}
